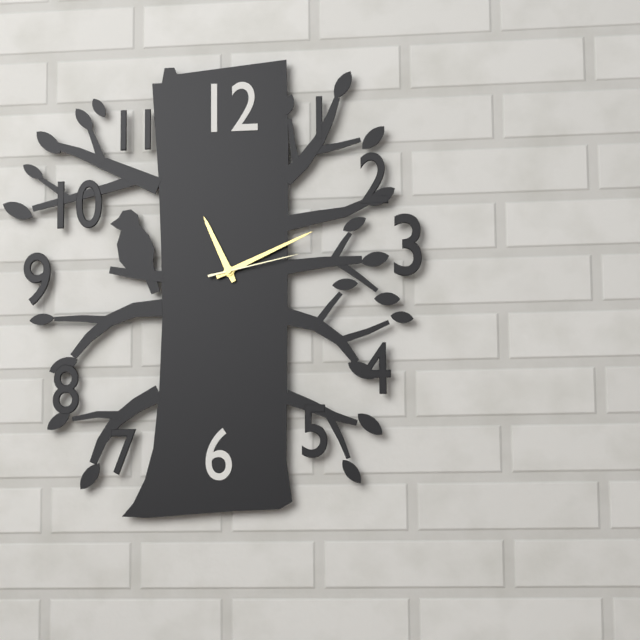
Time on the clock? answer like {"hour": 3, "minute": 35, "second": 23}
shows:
{"hour": 11, "minute": 11, "second": 13}
